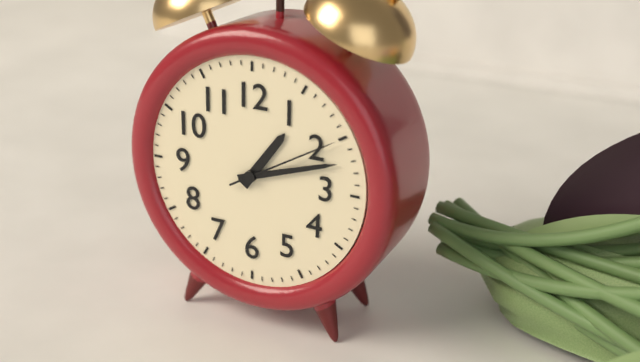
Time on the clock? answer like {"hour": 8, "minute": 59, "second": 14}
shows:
{"hour": 1, "minute": 12, "second": 10}
